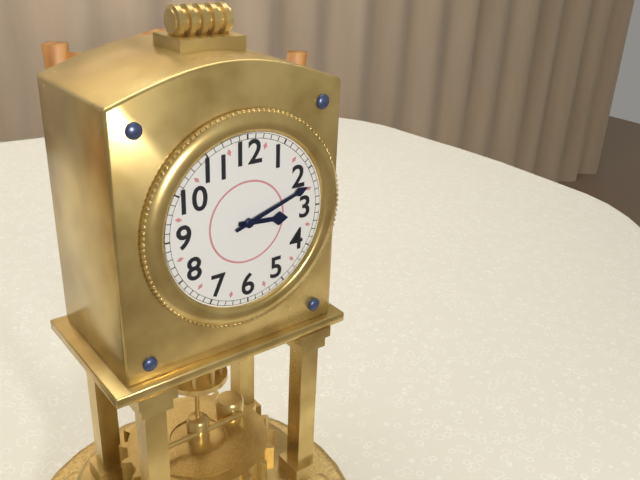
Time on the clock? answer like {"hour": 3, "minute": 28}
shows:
{"hour": 3, "minute": 12}
